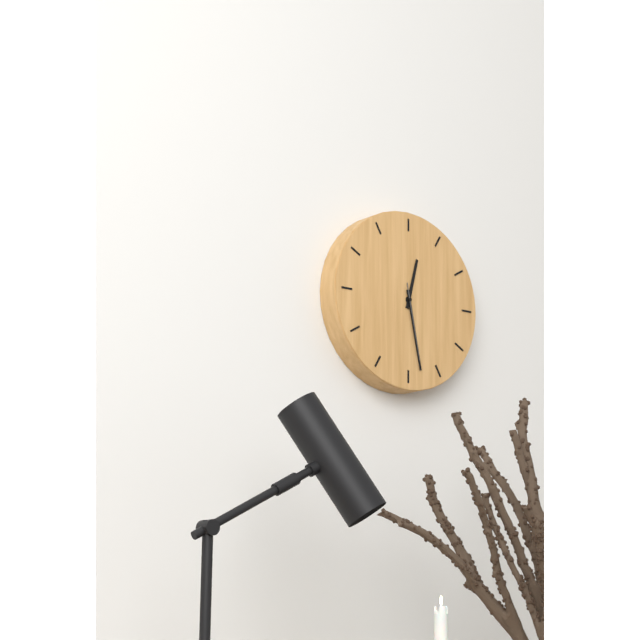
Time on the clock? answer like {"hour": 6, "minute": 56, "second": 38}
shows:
{"hour": 12, "minute": 28, "second": 28}
